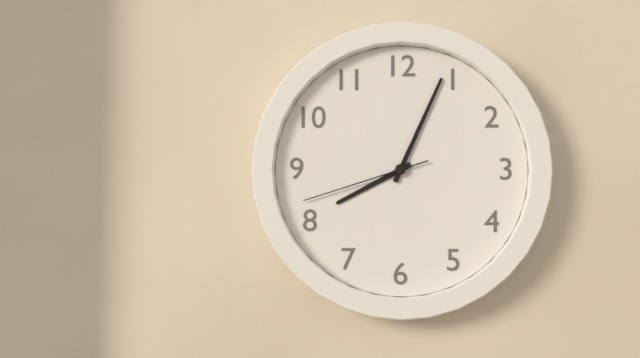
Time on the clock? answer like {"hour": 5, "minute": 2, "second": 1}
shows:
{"hour": 8, "minute": 4, "second": 42}
